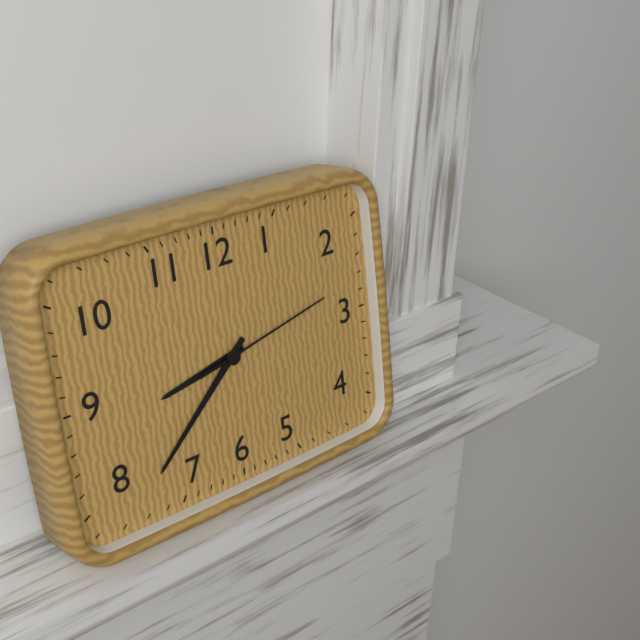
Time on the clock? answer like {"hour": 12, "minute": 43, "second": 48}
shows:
{"hour": 8, "minute": 38, "second": 13}
